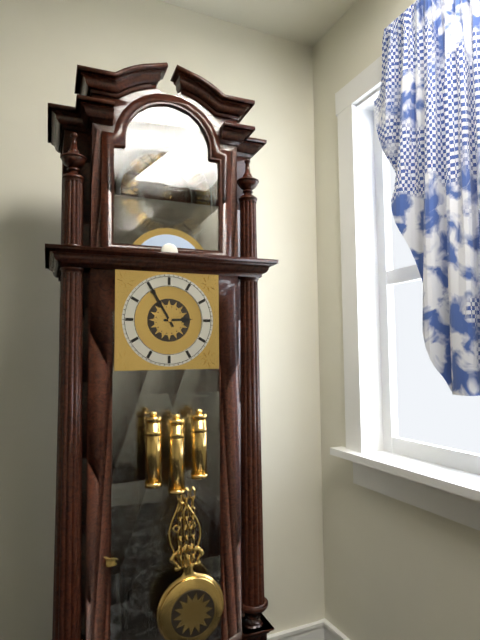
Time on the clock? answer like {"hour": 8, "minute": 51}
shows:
{"hour": 2, "minute": 55}
